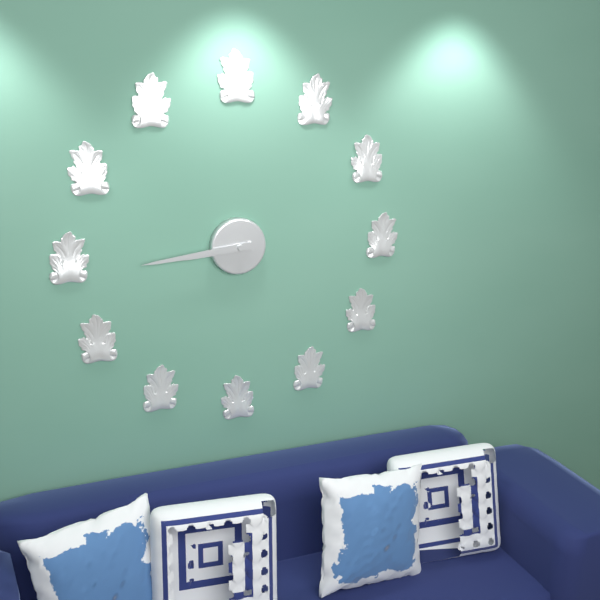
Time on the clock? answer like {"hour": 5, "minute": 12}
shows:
{"hour": 8, "minute": 44}
